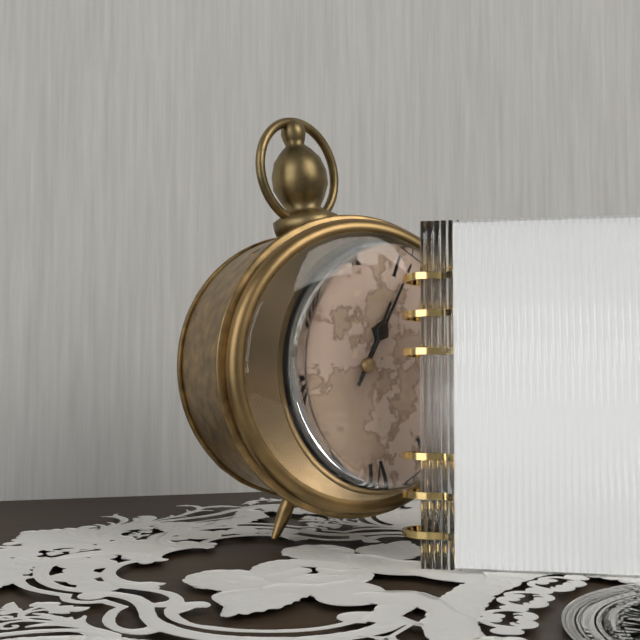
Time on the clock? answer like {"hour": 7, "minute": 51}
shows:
{"hour": 1, "minute": 6}
